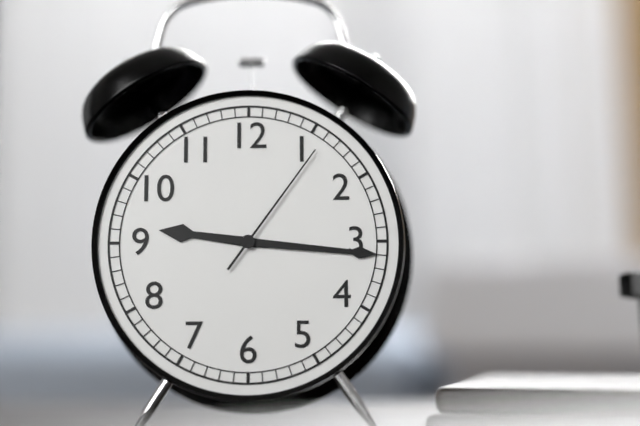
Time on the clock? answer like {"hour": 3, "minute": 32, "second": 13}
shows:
{"hour": 9, "minute": 16, "second": 6}
